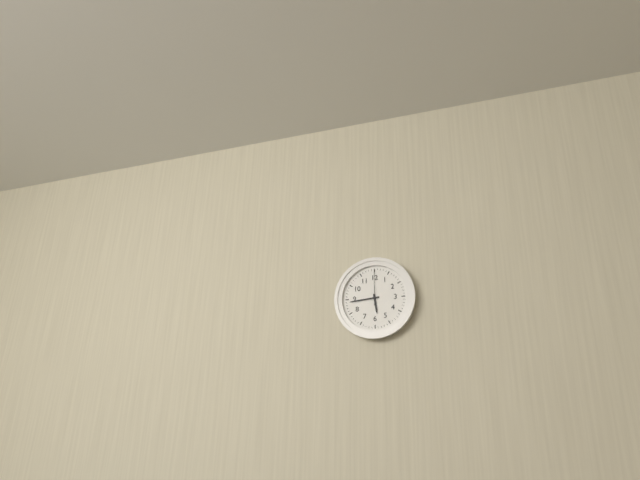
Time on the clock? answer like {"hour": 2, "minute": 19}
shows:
{"hour": 5, "minute": 44}
